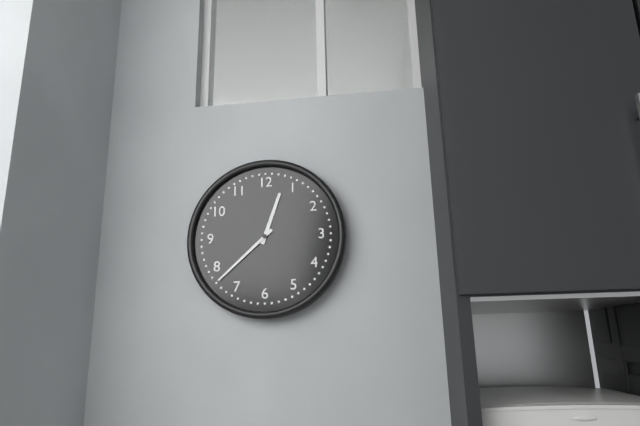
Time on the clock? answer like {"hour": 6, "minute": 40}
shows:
{"hour": 12, "minute": 38}
